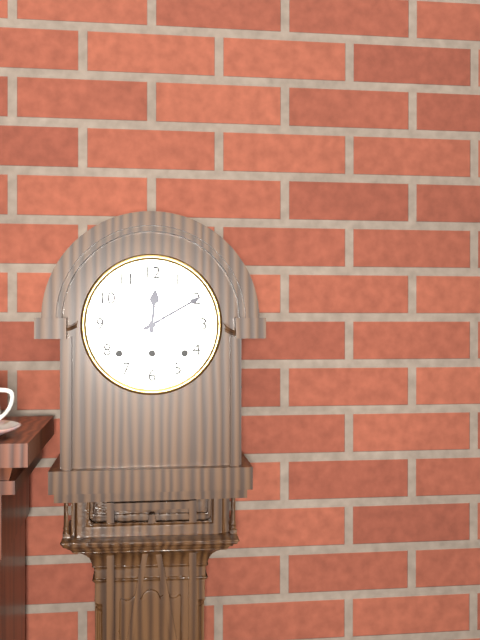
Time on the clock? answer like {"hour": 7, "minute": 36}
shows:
{"hour": 12, "minute": 10}
